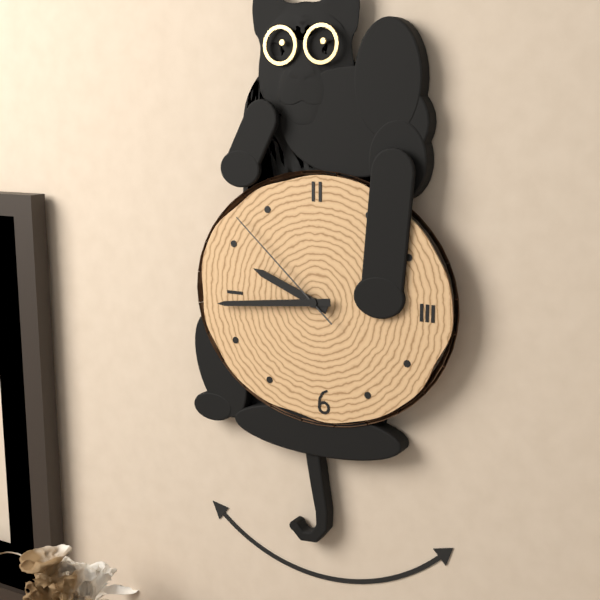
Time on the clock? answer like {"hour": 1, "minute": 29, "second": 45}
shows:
{"hour": 9, "minute": 44, "second": 52}
